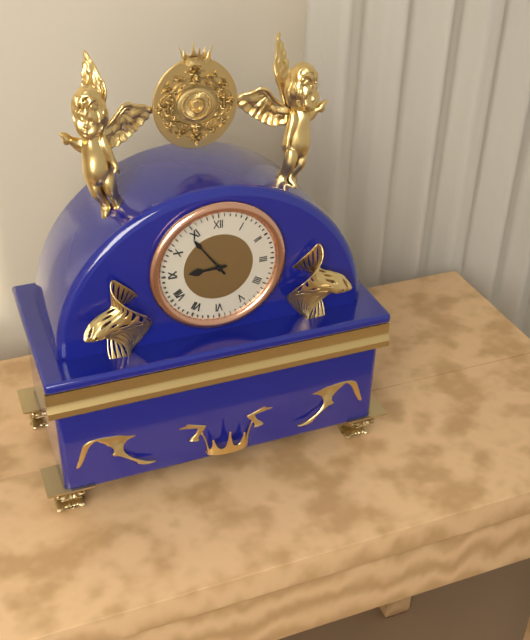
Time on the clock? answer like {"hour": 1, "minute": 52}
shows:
{"hour": 8, "minute": 54}
